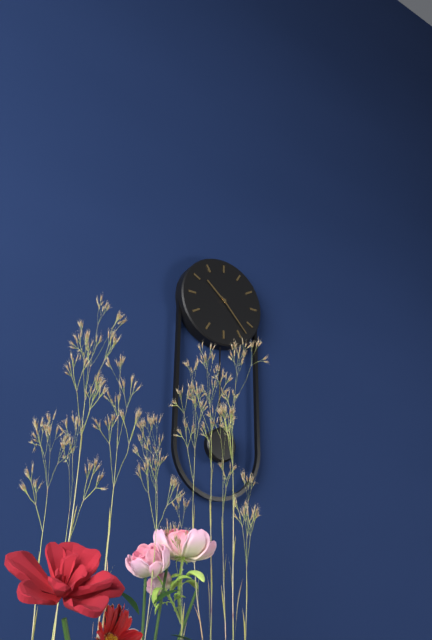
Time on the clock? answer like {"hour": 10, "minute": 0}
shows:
{"hour": 10, "minute": 23}
